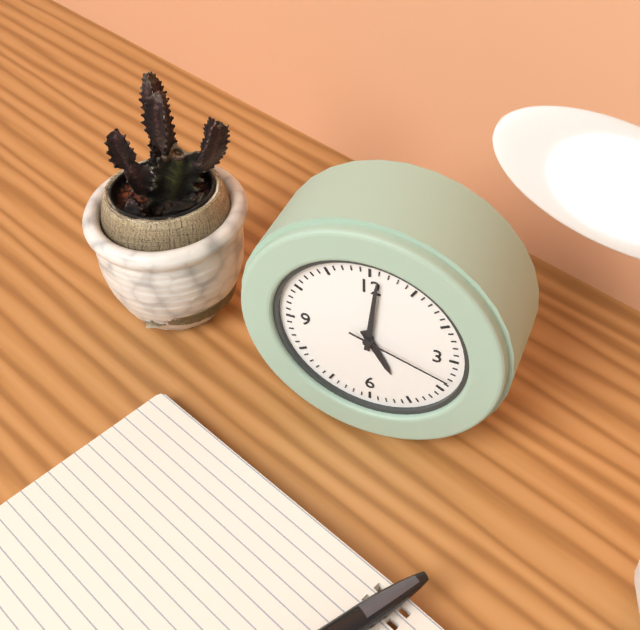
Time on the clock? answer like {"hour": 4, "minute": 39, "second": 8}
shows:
{"hour": 5, "minute": 1, "second": 18}
